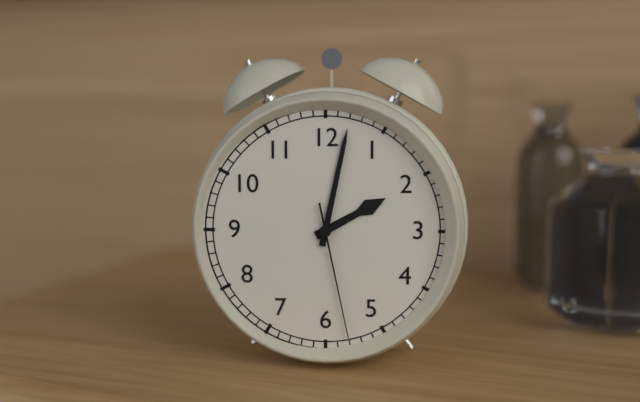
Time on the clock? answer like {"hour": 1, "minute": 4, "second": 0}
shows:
{"hour": 2, "minute": 2, "second": 28}
